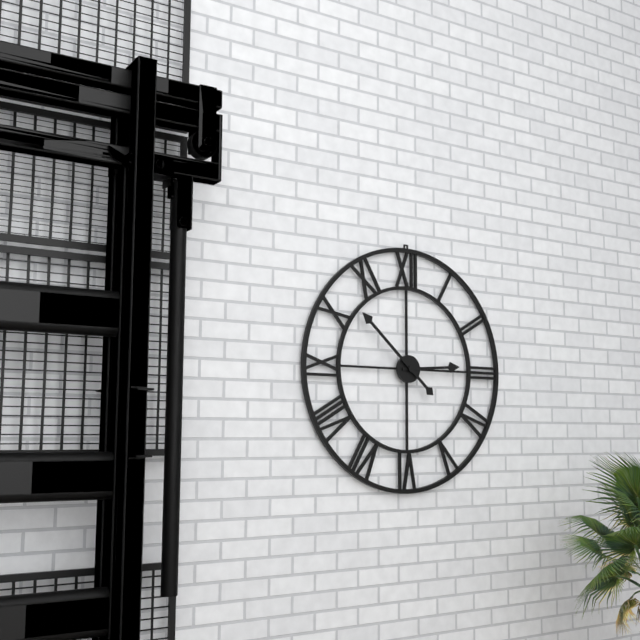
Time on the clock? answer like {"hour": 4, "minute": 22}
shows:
{"hour": 2, "minute": 52}
